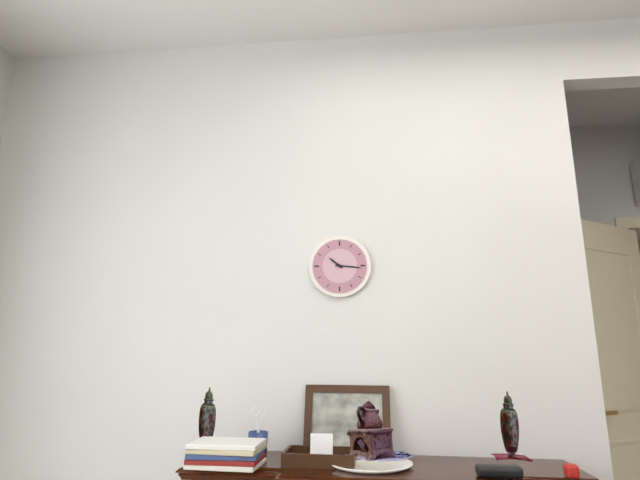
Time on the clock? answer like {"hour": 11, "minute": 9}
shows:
{"hour": 10, "minute": 16}
